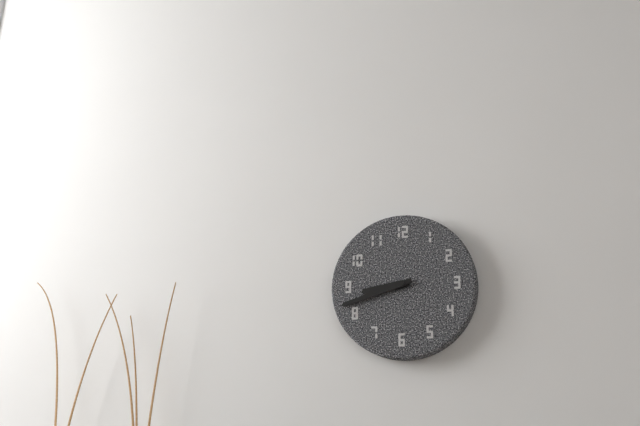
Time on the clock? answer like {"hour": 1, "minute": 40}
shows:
{"hour": 8, "minute": 42}
